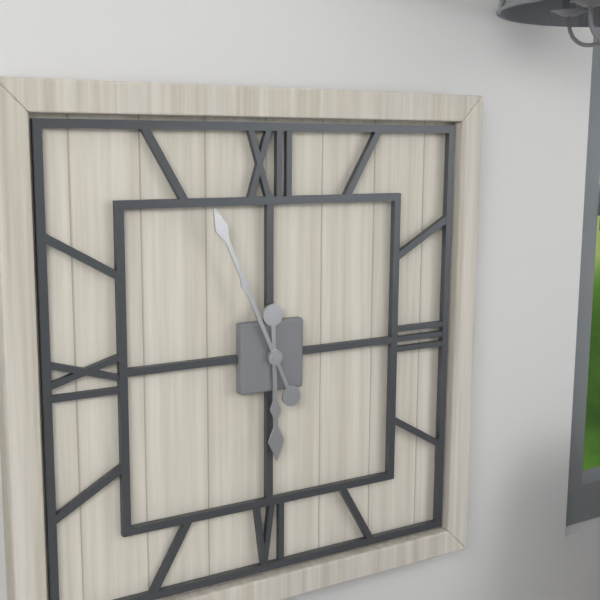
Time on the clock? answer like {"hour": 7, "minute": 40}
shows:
{"hour": 5, "minute": 56}
